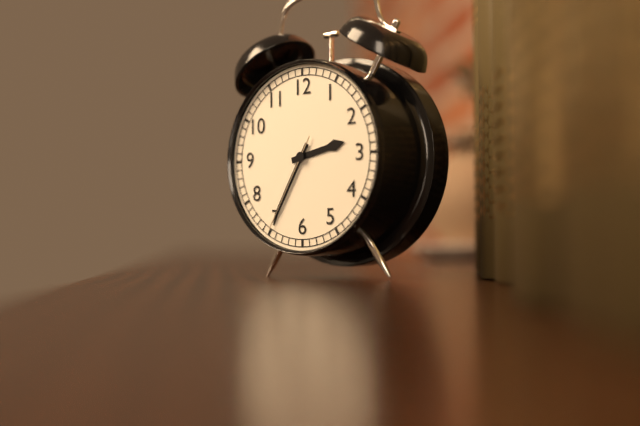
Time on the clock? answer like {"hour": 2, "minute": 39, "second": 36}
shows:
{"hour": 2, "minute": 35, "second": 35}
